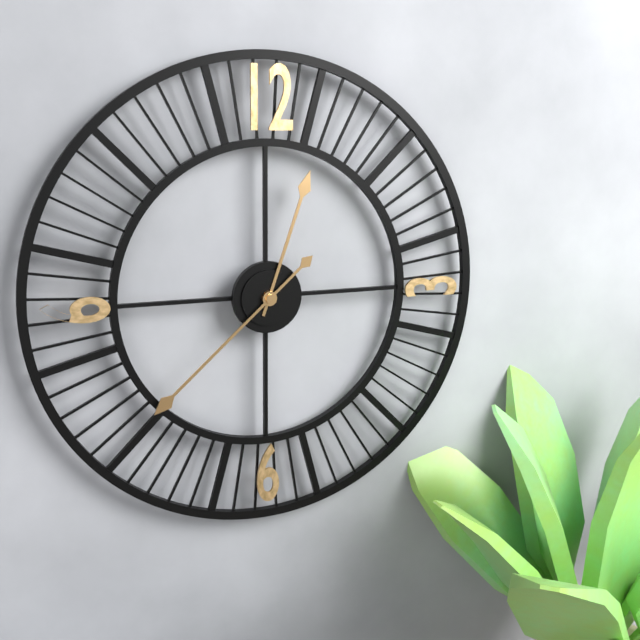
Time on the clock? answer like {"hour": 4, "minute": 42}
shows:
{"hour": 12, "minute": 38}
